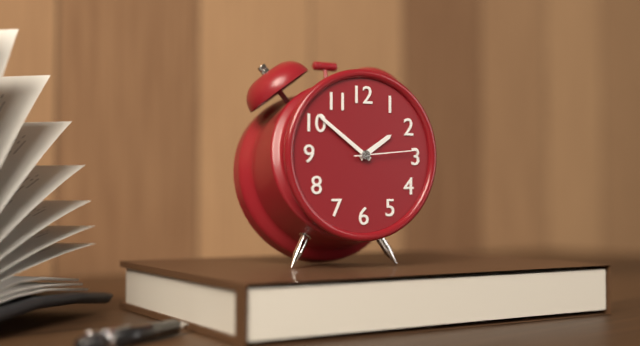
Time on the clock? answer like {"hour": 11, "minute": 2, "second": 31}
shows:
{"hour": 1, "minute": 51, "second": 14}
